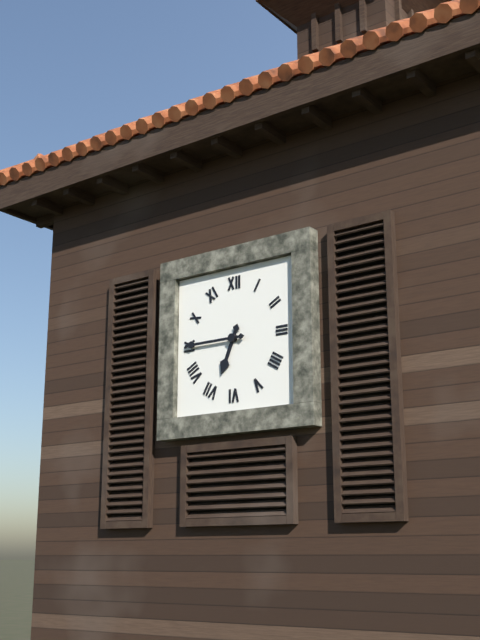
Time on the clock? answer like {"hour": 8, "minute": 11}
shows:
{"hour": 6, "minute": 45}
